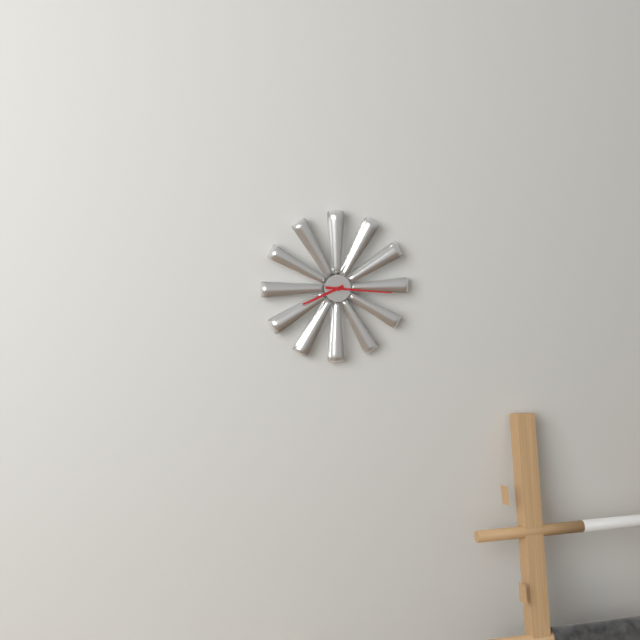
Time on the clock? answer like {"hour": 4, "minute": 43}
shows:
{"hour": 8, "minute": 16}
